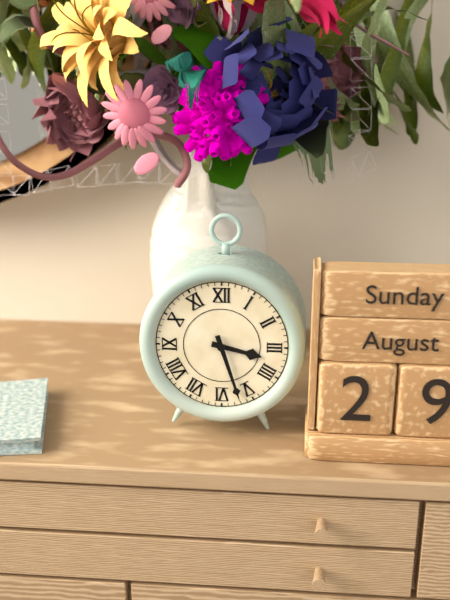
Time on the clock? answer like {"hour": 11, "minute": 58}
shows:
{"hour": 3, "minute": 27}
